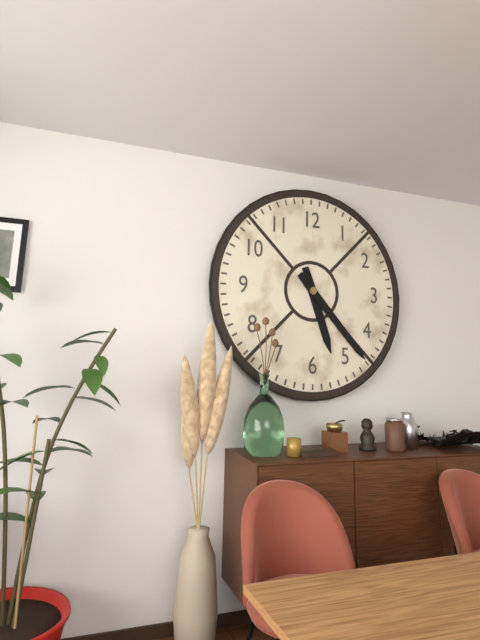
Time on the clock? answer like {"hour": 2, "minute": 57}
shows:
{"hour": 5, "minute": 23}
